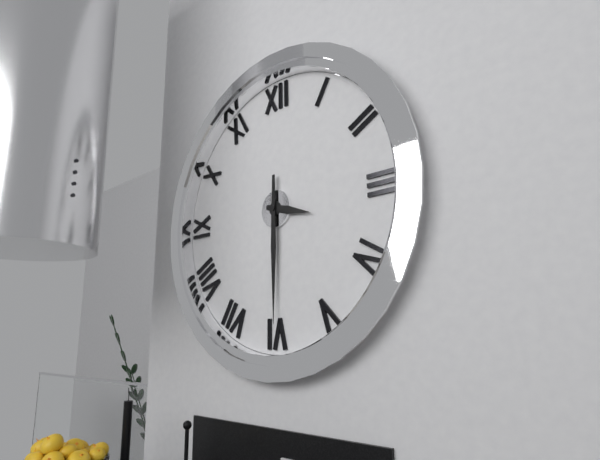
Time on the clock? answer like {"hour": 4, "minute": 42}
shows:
{"hour": 3, "minute": 30}
